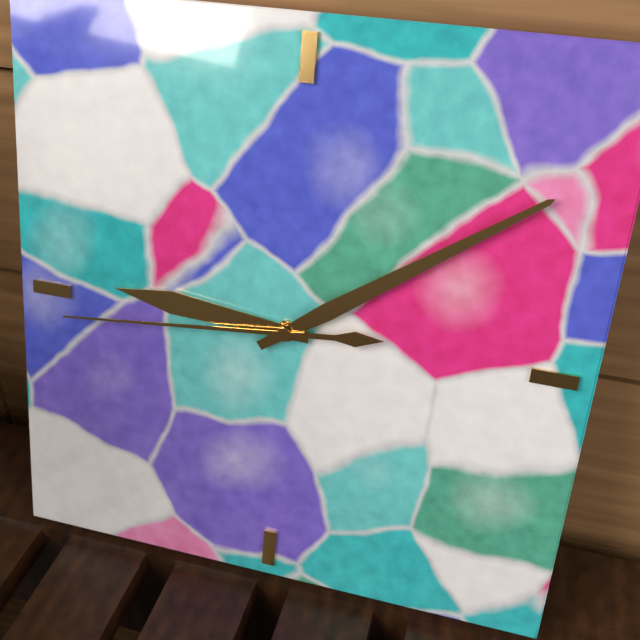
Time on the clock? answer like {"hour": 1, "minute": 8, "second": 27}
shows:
{"hour": 9, "minute": 9, "second": 44}
